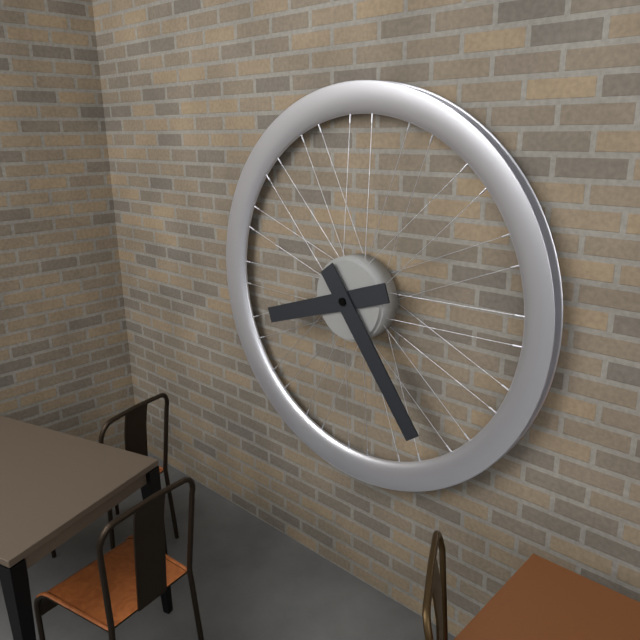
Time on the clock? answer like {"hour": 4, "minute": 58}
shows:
{"hour": 8, "minute": 24}
